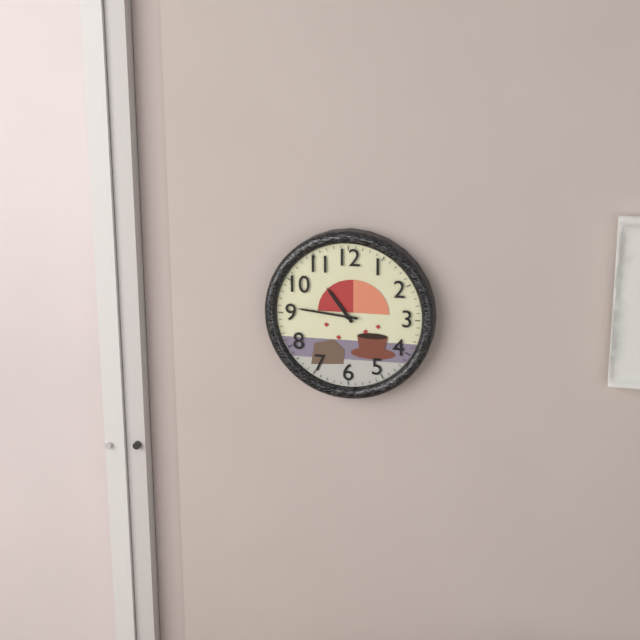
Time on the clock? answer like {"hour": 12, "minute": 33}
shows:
{"hour": 10, "minute": 46}
